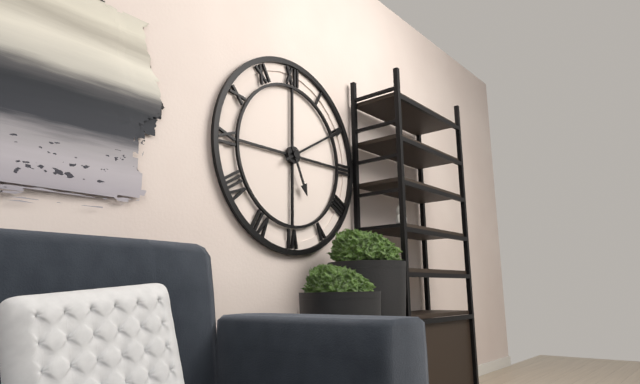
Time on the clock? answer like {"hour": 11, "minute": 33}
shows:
{"hour": 5, "minute": 10}
